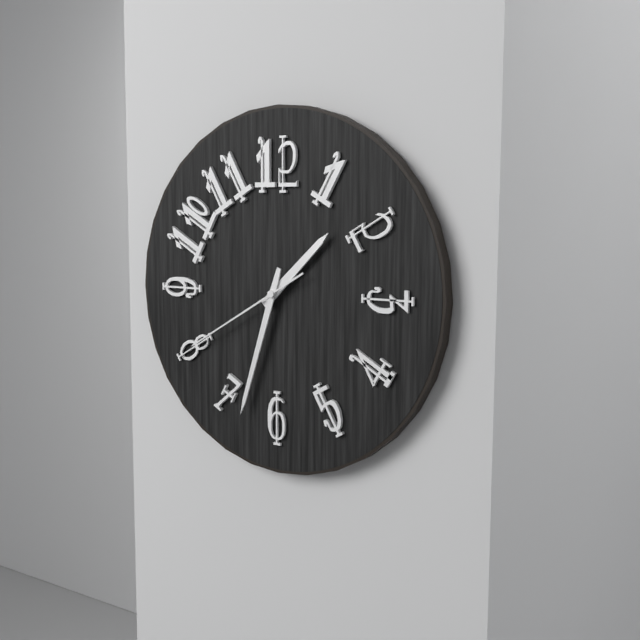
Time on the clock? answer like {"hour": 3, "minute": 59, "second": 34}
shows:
{"hour": 1, "minute": 33, "second": 40}
